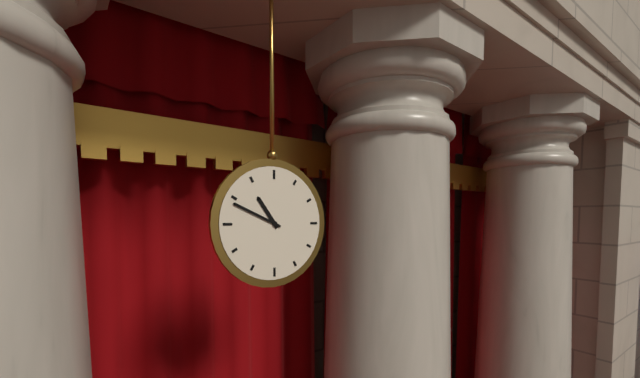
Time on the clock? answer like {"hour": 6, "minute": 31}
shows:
{"hour": 10, "minute": 49}
